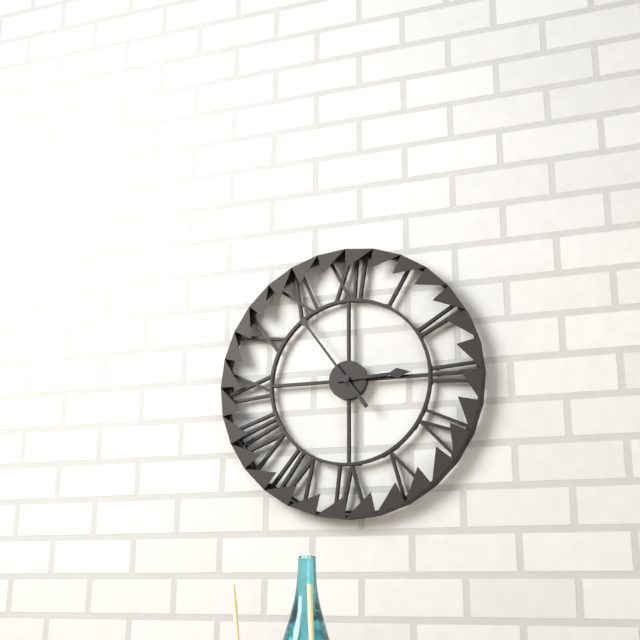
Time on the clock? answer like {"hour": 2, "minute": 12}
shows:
{"hour": 2, "minute": 54}
